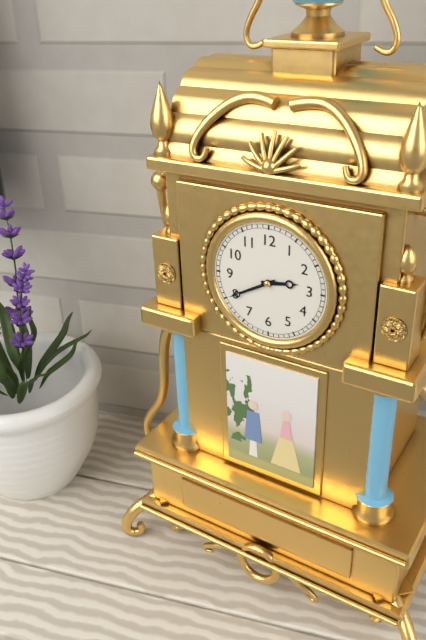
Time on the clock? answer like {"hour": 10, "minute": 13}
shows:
{"hour": 2, "minute": 40}
